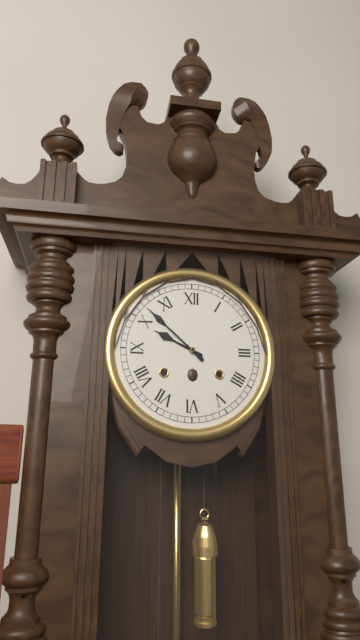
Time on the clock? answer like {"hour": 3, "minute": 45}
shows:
{"hour": 9, "minute": 52}
